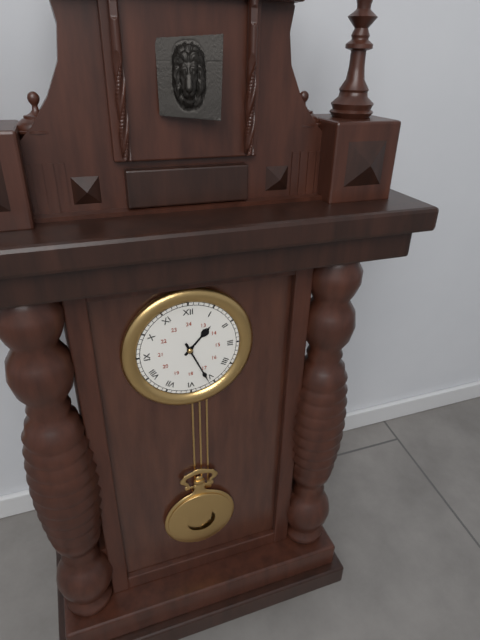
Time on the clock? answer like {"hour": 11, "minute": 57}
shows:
{"hour": 1, "minute": 26}
